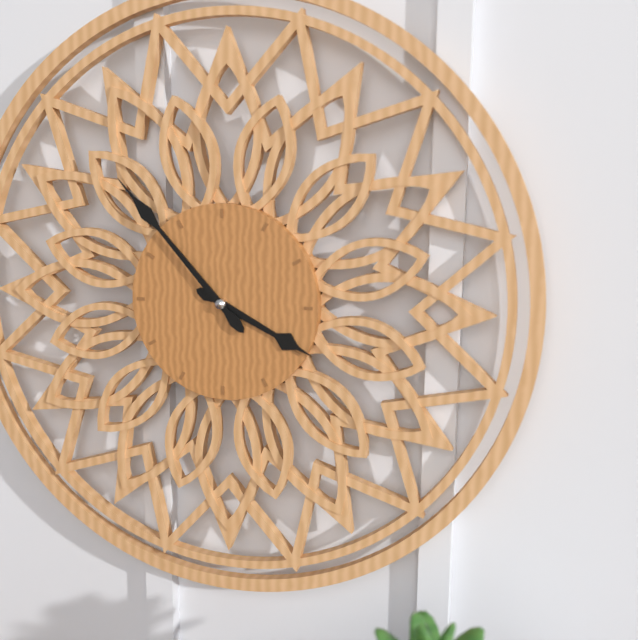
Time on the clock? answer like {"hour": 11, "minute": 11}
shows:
{"hour": 3, "minute": 53}
